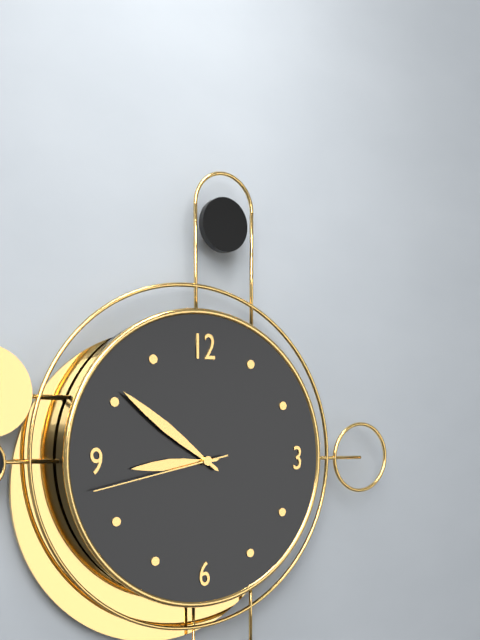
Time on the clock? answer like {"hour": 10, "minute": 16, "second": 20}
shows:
{"hour": 8, "minute": 51, "second": 43}
